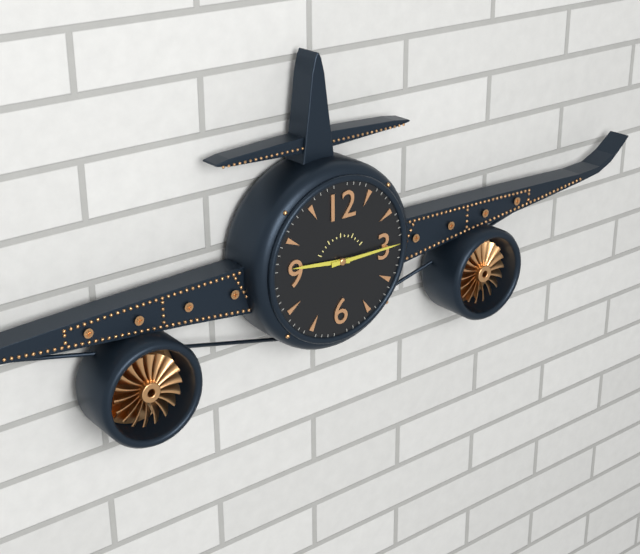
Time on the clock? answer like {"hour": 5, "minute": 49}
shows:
{"hour": 9, "minute": 15}
